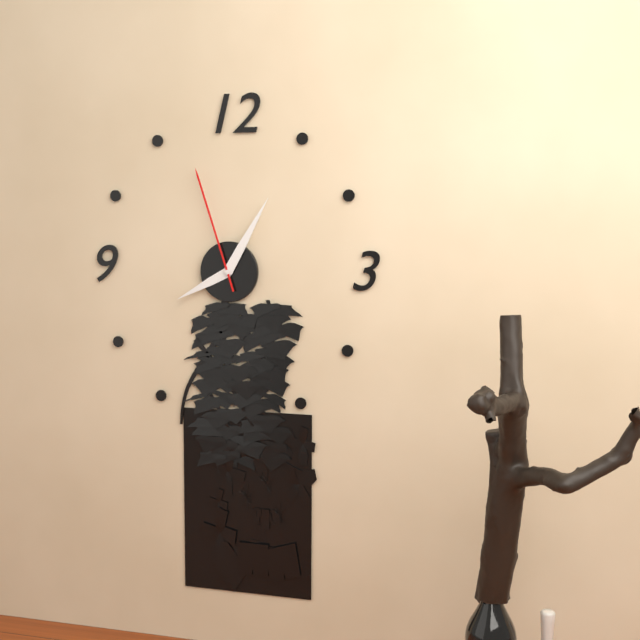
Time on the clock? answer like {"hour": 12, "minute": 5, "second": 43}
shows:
{"hour": 8, "minute": 5, "second": 57}
